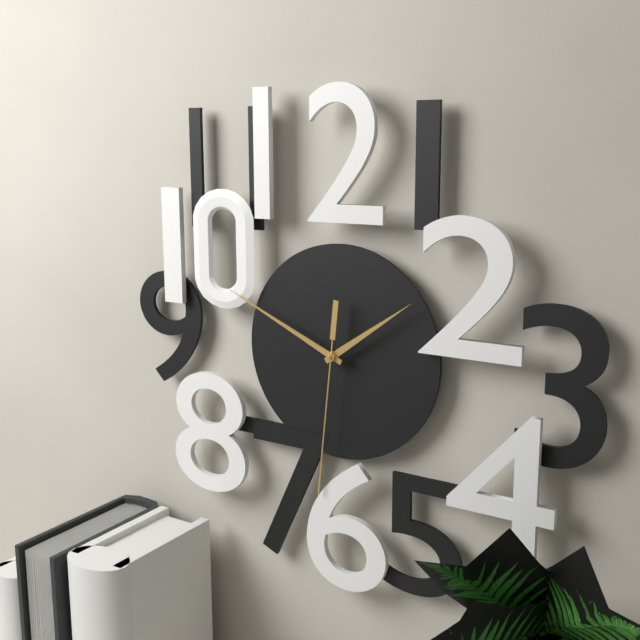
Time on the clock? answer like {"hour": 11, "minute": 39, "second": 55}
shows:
{"hour": 1, "minute": 49, "second": 31}
